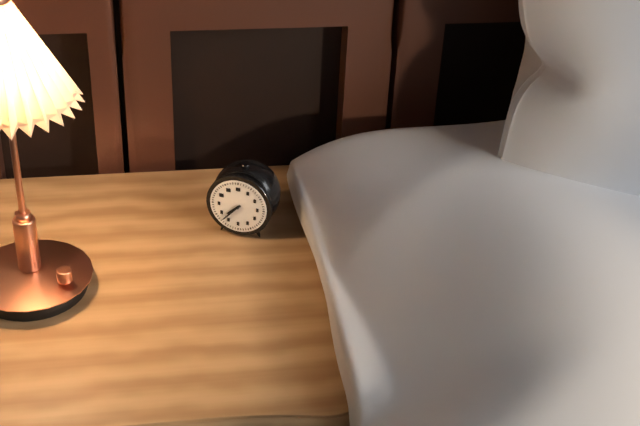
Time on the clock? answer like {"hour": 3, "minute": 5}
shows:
{"hour": 7, "minute": 37}
